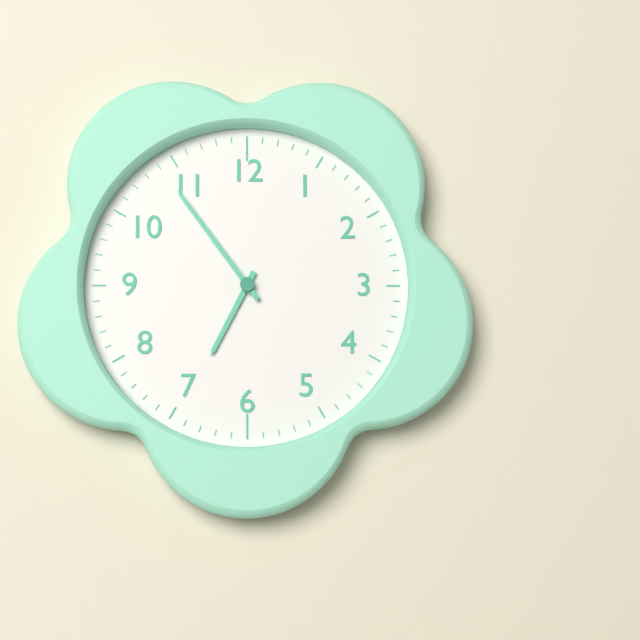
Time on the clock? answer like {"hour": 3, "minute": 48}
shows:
{"hour": 6, "minute": 54}
